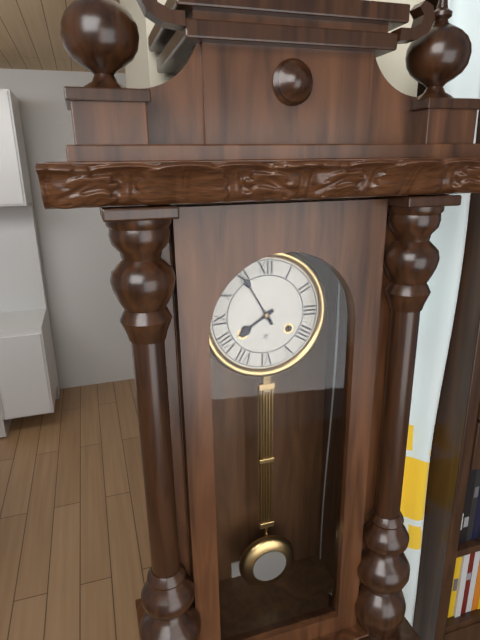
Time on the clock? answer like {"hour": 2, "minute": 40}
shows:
{"hour": 7, "minute": 55}
